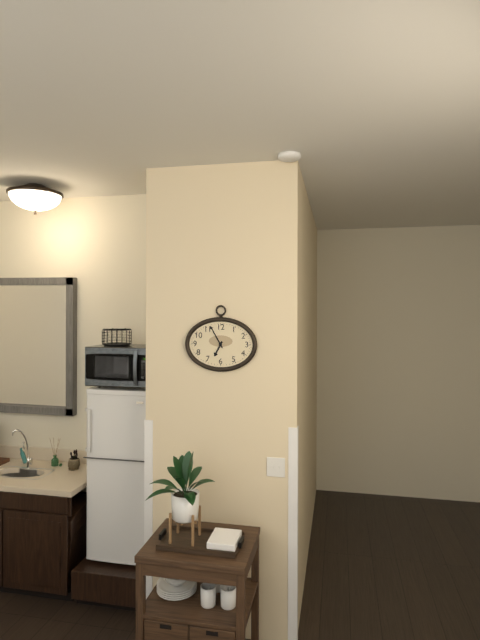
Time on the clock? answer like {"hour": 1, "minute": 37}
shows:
{"hour": 6, "minute": 55}
